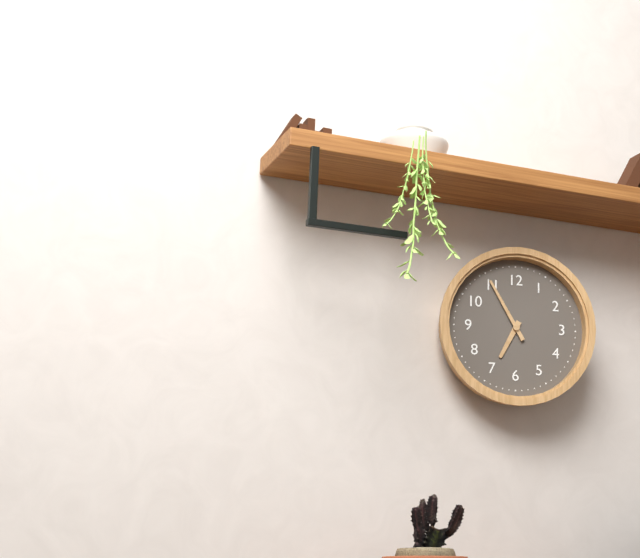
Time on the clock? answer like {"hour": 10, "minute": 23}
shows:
{"hour": 6, "minute": 55}
